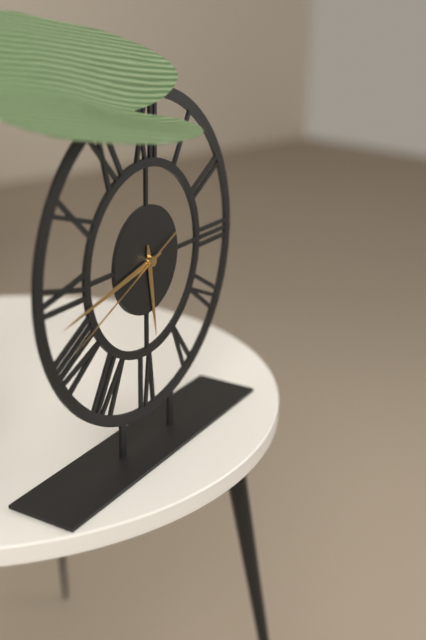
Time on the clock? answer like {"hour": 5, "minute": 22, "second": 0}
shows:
{"hour": 5, "minute": 43, "second": 41}
